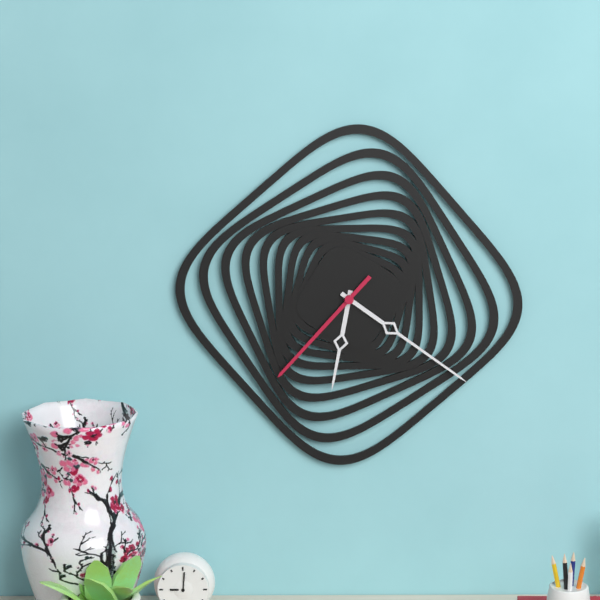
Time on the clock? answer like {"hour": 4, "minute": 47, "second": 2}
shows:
{"hour": 6, "minute": 21, "second": 37}
